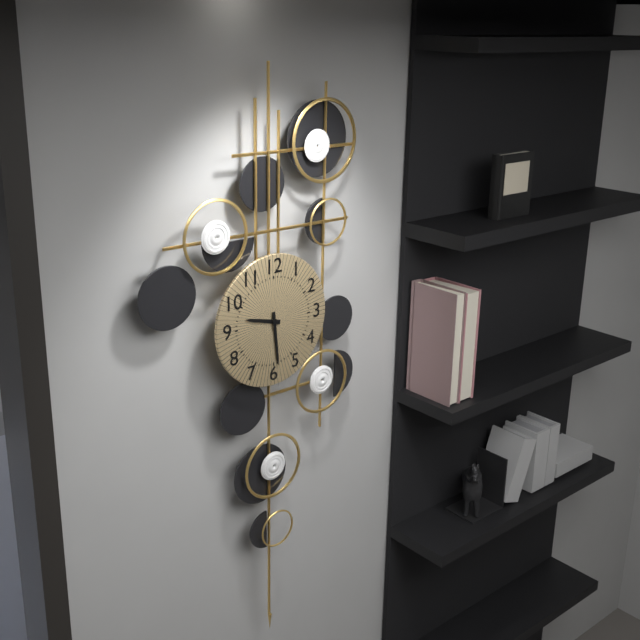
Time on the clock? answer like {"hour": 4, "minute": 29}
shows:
{"hour": 9, "minute": 29}
